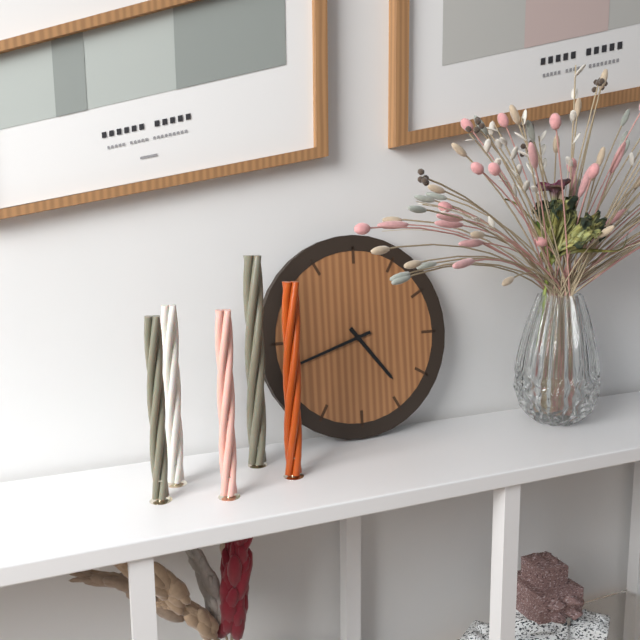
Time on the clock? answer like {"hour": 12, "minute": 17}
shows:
{"hour": 4, "minute": 42}
